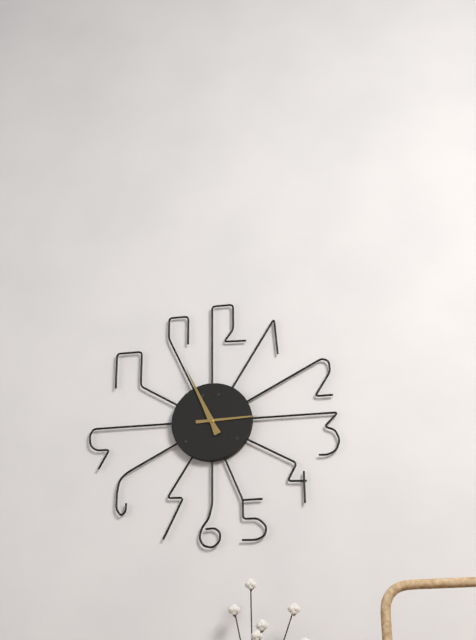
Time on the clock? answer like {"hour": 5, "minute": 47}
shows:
{"hour": 2, "minute": 56}
